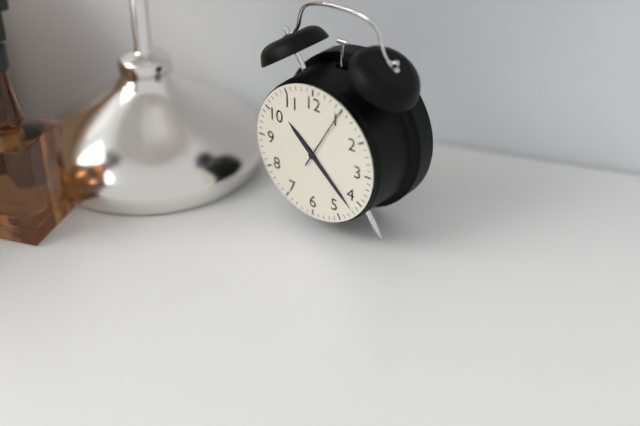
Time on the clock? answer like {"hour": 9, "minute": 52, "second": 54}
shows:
{"hour": 10, "minute": 22, "second": 5}
